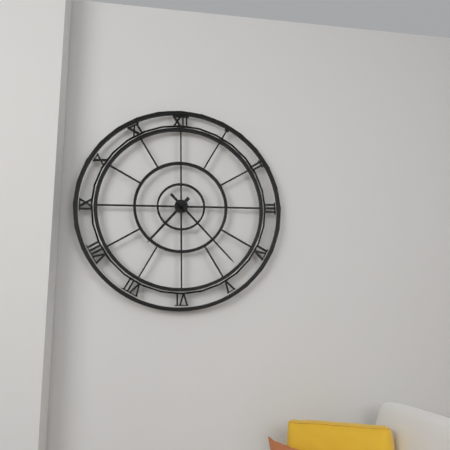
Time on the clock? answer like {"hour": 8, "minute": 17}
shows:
{"hour": 7, "minute": 23}
